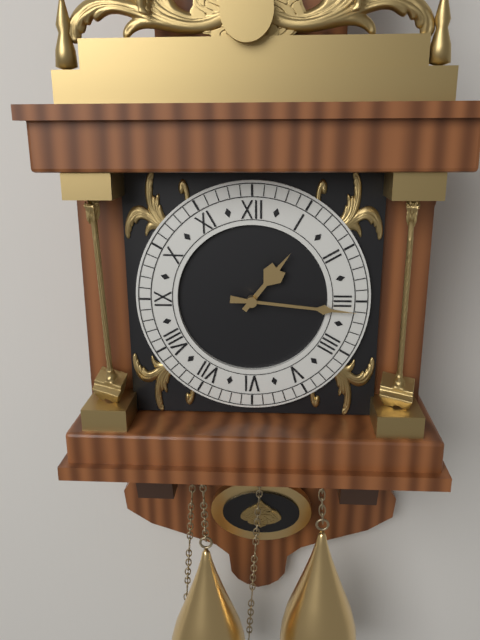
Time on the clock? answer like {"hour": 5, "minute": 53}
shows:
{"hour": 1, "minute": 16}
